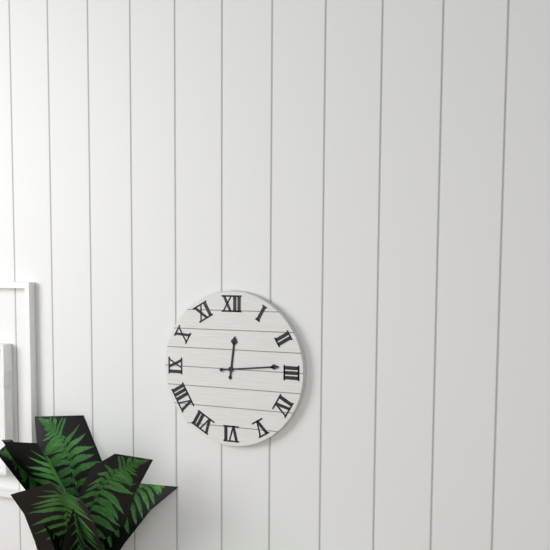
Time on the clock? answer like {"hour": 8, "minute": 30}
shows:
{"hour": 12, "minute": 14}
